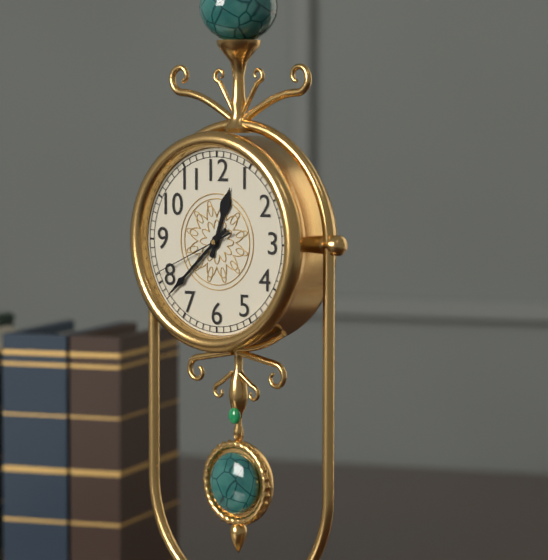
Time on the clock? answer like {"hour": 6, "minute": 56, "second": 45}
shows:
{"hour": 12, "minute": 38, "second": 41}
